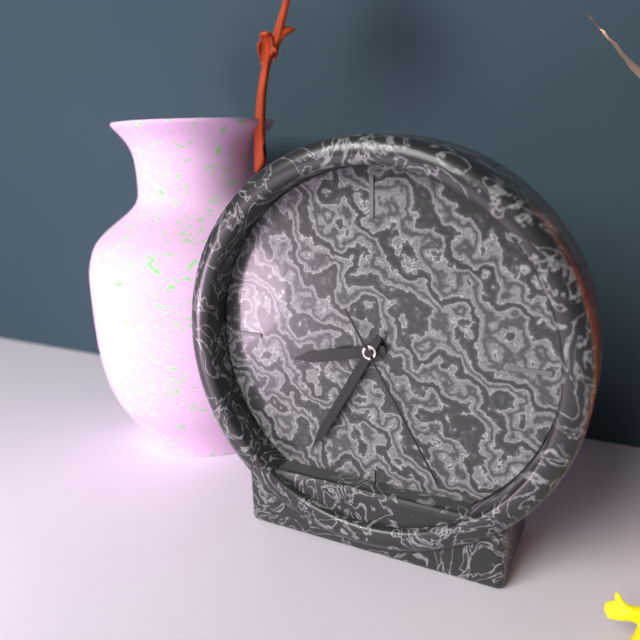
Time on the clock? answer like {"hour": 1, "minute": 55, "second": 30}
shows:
{"hour": 8, "minute": 35, "second": 25}
